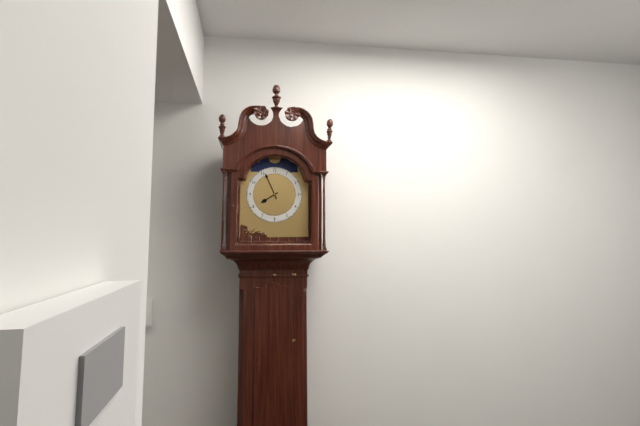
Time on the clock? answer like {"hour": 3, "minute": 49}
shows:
{"hour": 7, "minute": 56}
